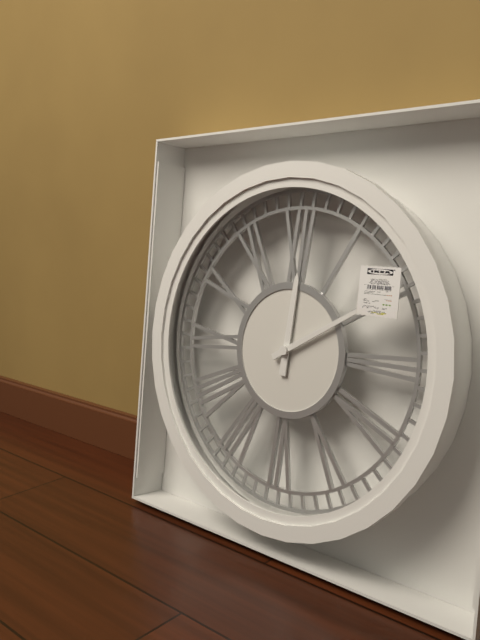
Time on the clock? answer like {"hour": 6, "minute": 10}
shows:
{"hour": 12, "minute": 10}
